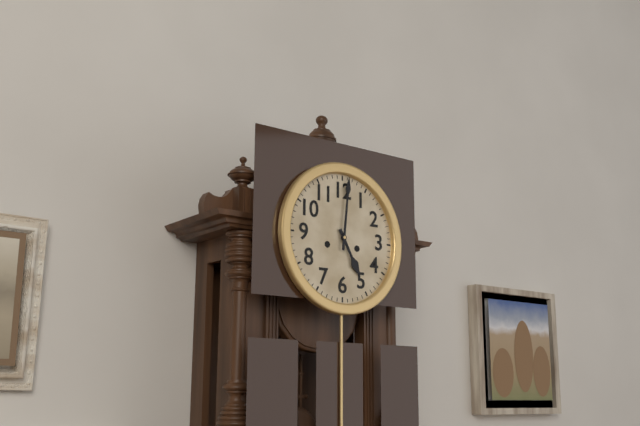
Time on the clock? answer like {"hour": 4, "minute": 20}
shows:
{"hour": 5, "minute": 1}
